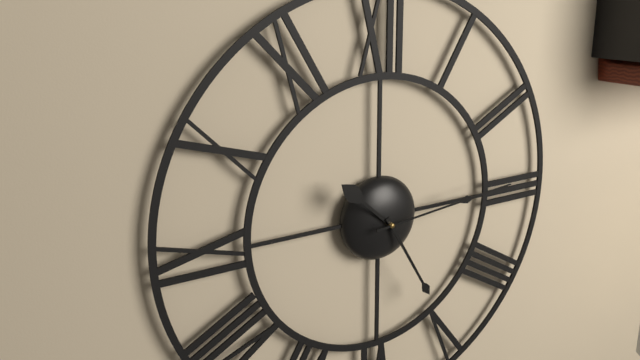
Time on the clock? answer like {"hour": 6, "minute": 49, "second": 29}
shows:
{"hour": 10, "minute": 25, "second": 14}
